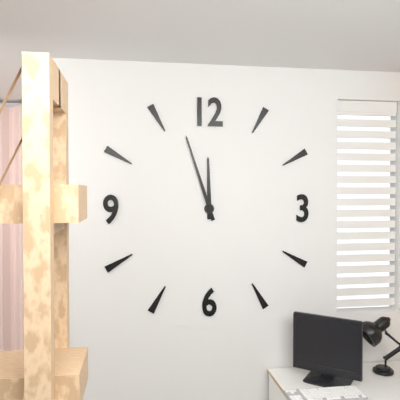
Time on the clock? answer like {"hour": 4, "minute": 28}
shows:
{"hour": 11, "minute": 57}
